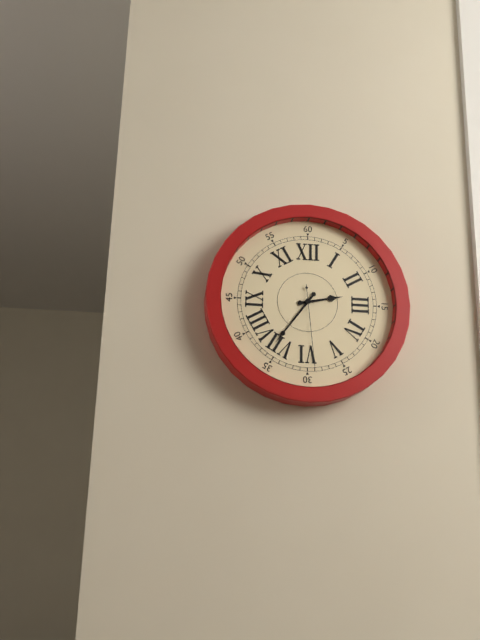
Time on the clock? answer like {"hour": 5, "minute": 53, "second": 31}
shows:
{"hour": 2, "minute": 36, "second": 29}
